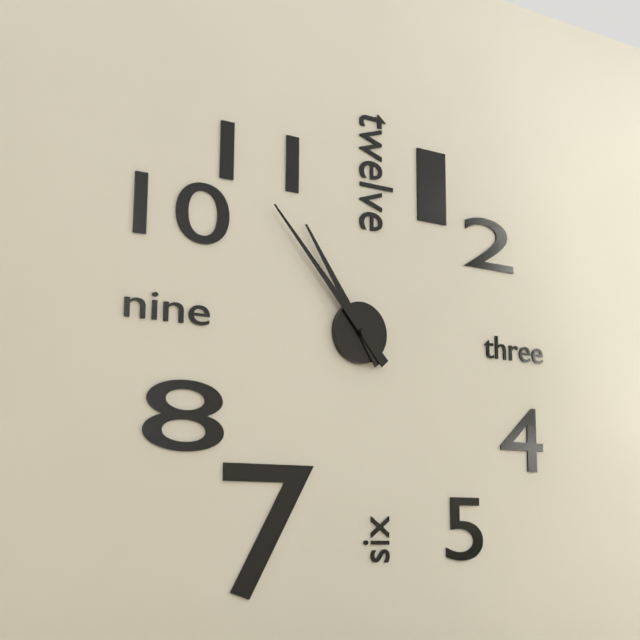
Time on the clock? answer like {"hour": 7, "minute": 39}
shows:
{"hour": 10, "minute": 53}
